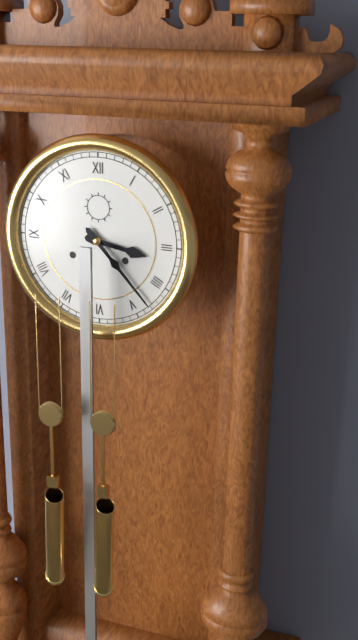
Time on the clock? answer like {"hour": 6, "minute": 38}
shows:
{"hour": 3, "minute": 23}
